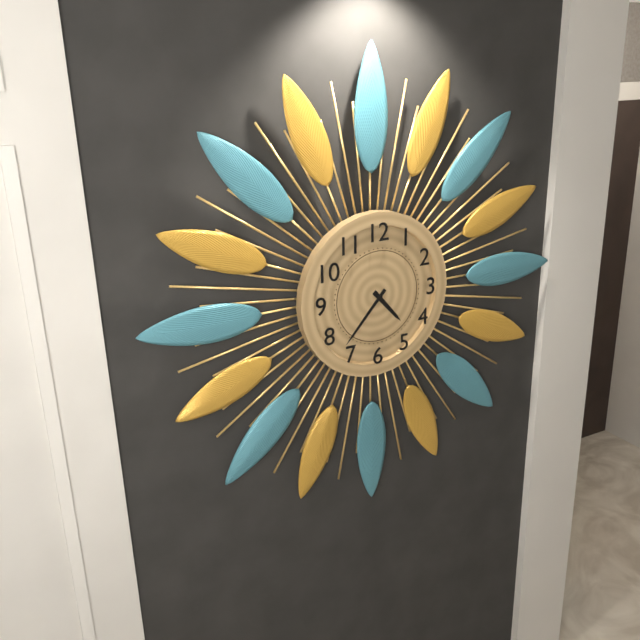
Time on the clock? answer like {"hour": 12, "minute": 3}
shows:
{"hour": 4, "minute": 37}
